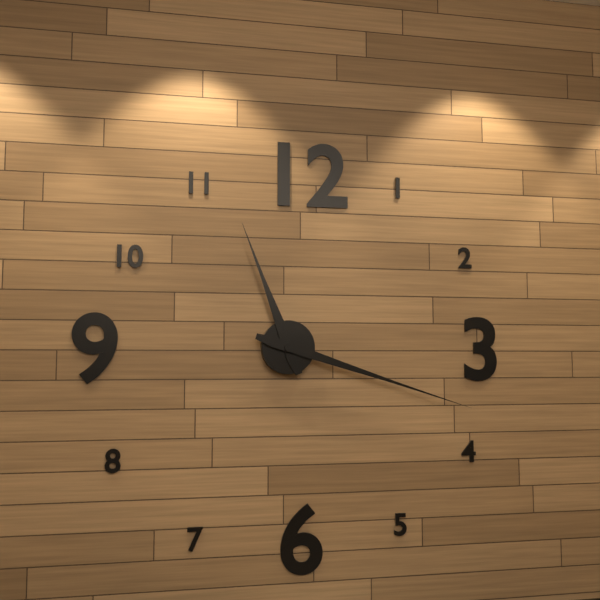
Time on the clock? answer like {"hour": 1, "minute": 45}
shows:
{"hour": 11, "minute": 18}
